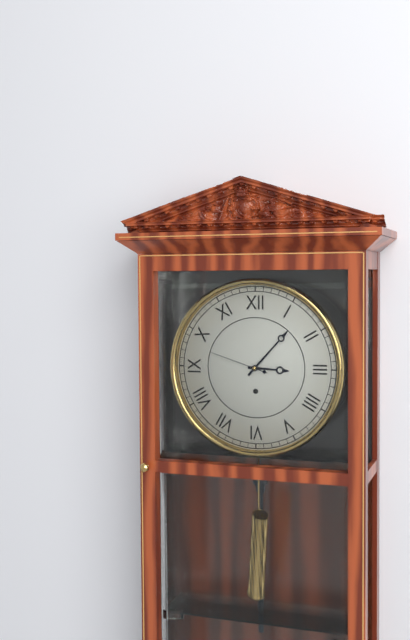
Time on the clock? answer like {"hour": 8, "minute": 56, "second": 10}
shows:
{"hour": 3, "minute": 7, "second": 48}
